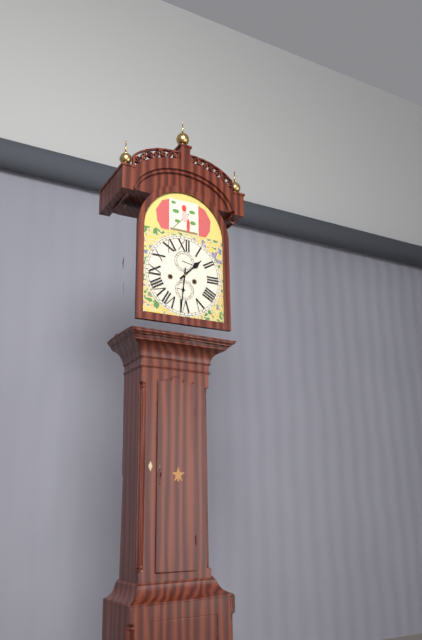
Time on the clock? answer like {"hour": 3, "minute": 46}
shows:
{"hour": 1, "minute": 31}
